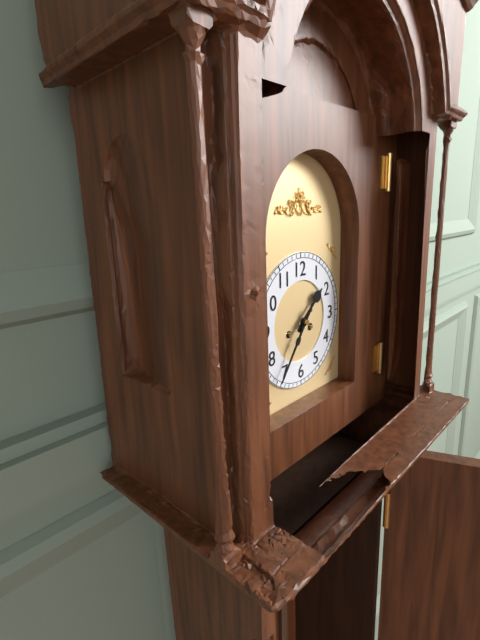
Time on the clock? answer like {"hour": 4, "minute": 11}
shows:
{"hour": 1, "minute": 36}
